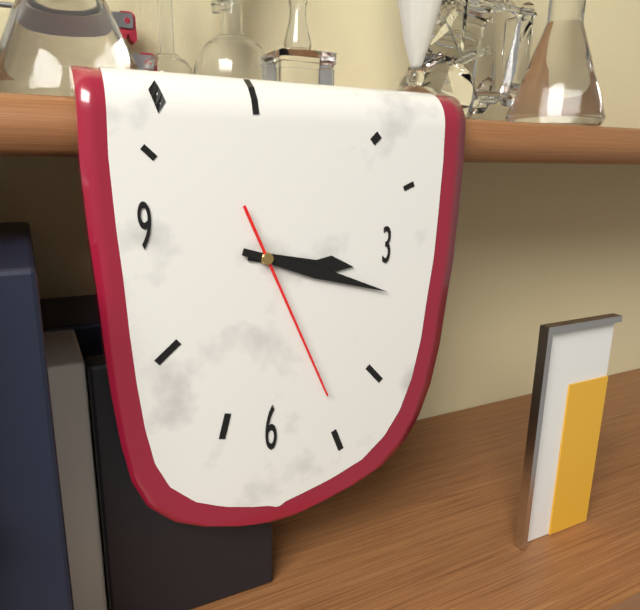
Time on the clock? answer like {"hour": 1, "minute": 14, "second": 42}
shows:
{"hour": 3, "minute": 18, "second": 26}
